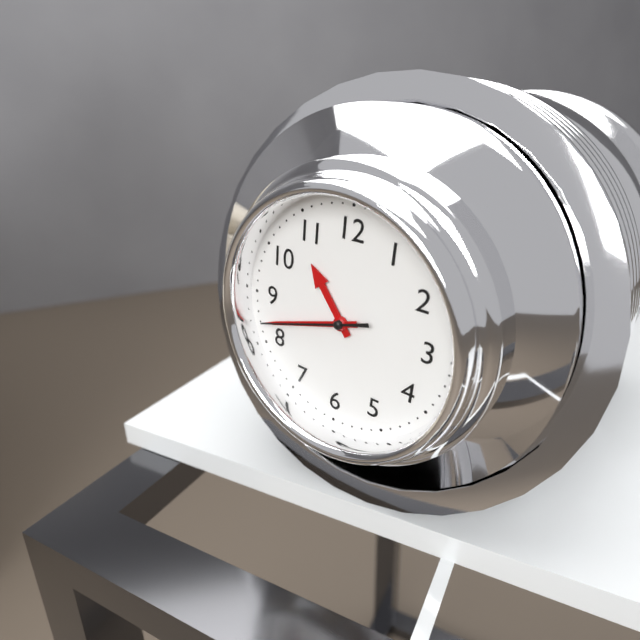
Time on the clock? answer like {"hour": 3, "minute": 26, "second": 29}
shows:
{"hour": 10, "minute": 42, "second": 42}
